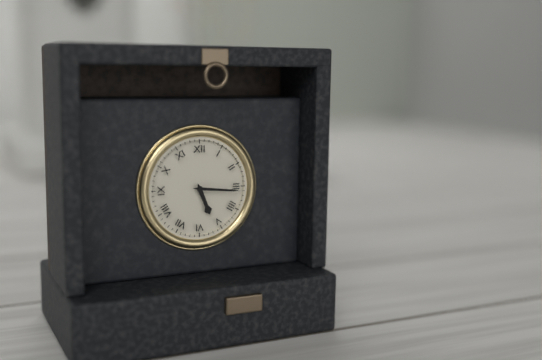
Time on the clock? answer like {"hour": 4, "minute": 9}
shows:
{"hour": 5, "minute": 16}
